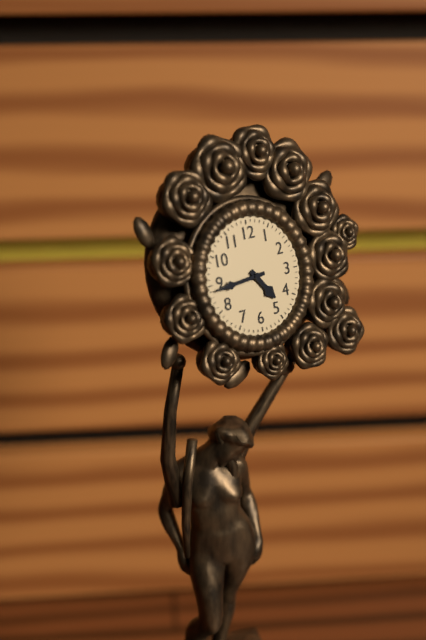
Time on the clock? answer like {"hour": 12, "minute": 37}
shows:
{"hour": 4, "minute": 44}
